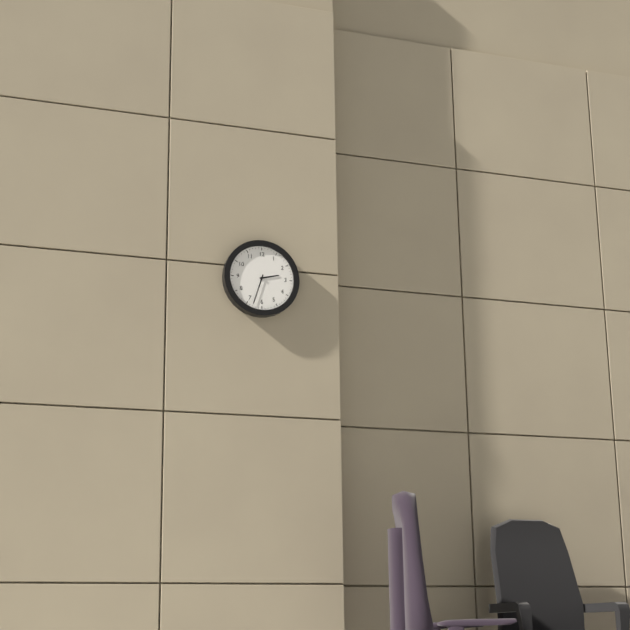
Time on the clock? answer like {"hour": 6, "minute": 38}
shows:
{"hour": 2, "minute": 33}
